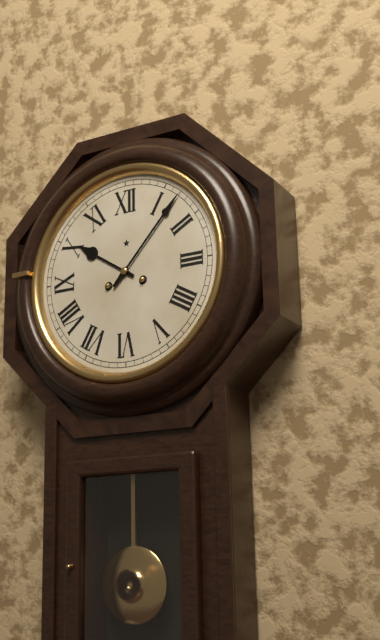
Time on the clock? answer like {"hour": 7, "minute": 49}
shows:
{"hour": 10, "minute": 7}
